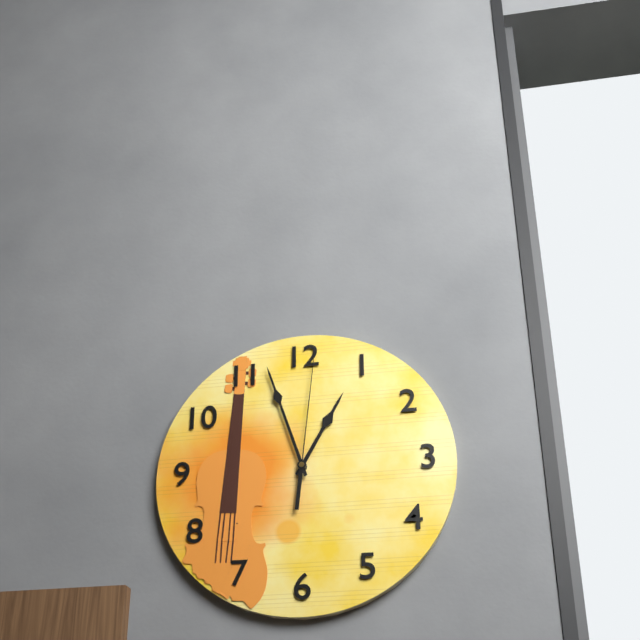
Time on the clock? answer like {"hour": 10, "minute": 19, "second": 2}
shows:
{"hour": 12, "minute": 57, "second": 1}
